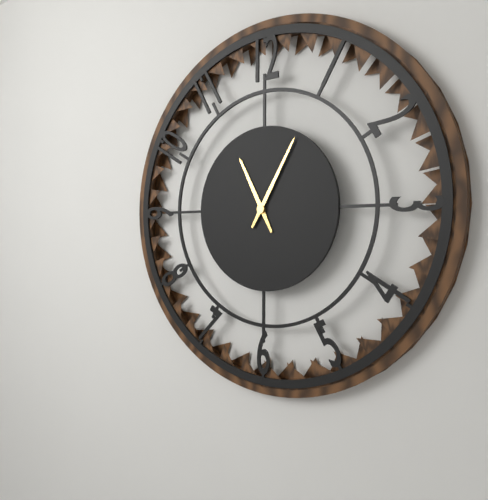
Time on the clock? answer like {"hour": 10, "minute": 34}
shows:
{"hour": 11, "minute": 5}
